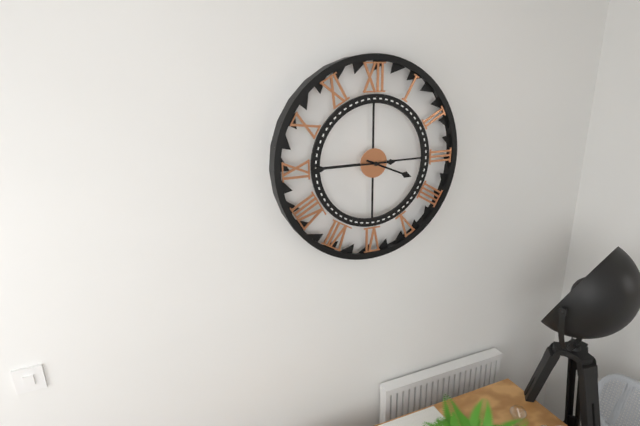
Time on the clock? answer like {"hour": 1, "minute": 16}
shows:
{"hour": 3, "minute": 45}
